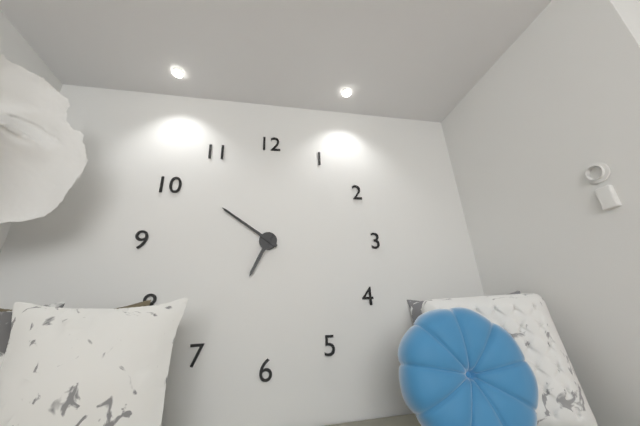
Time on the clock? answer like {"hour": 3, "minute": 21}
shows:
{"hour": 6, "minute": 51}
